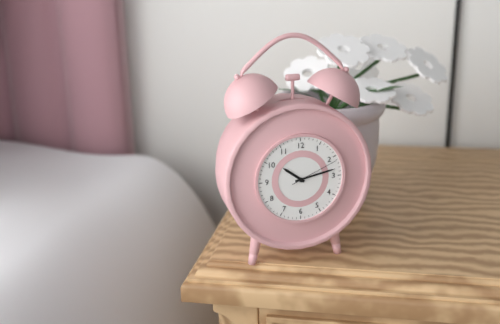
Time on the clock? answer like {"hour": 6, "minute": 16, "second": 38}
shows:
{"hour": 10, "minute": 13, "second": 11}
